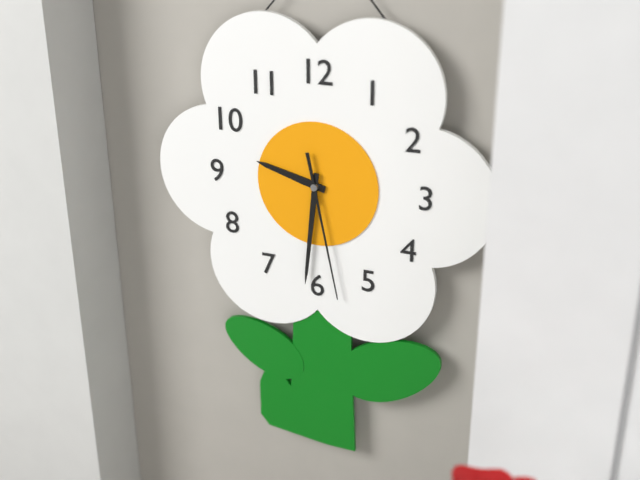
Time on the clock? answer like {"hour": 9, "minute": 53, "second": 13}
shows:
{"hour": 9, "minute": 31, "second": 28}
